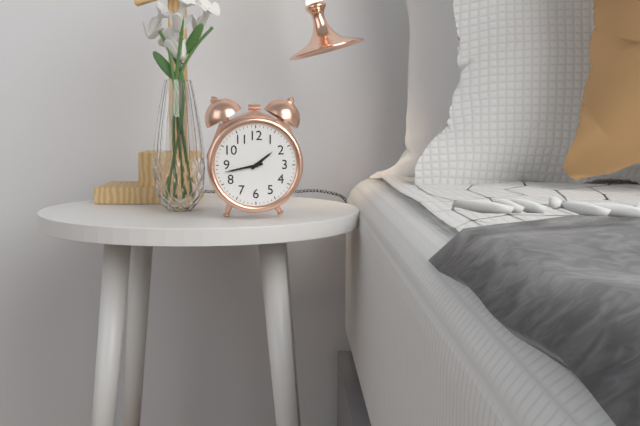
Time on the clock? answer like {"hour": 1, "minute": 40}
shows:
{"hour": 1, "minute": 43}
